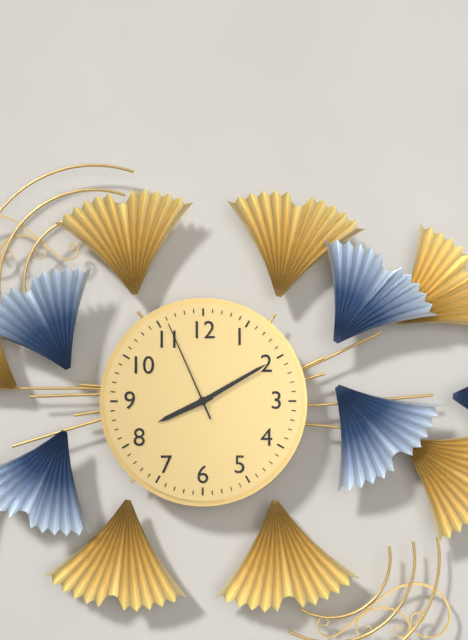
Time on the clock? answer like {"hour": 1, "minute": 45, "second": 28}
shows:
{"hour": 8, "minute": 10, "second": 56}
